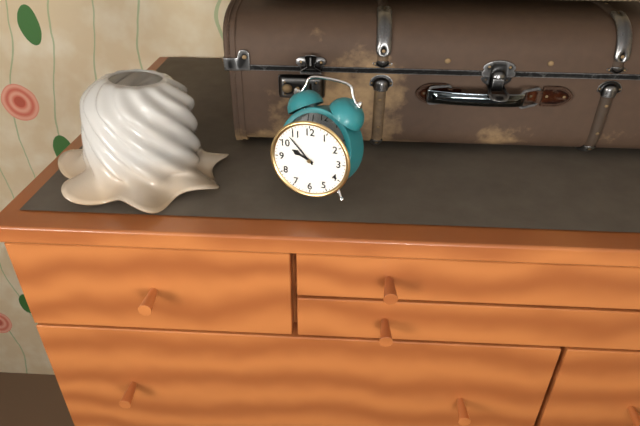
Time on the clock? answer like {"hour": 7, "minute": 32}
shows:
{"hour": 9, "minute": 53}
